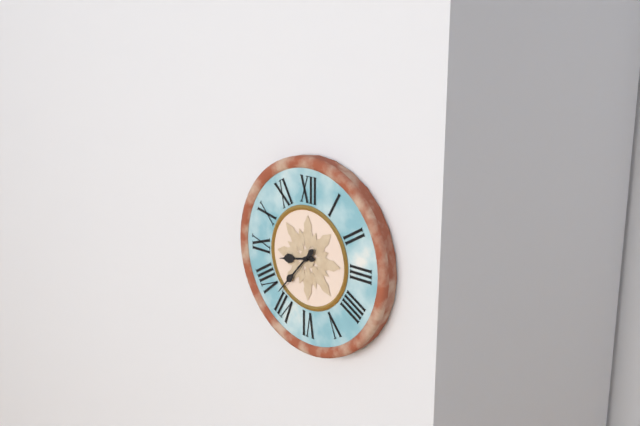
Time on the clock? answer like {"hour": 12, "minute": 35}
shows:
{"hour": 8, "minute": 37}
